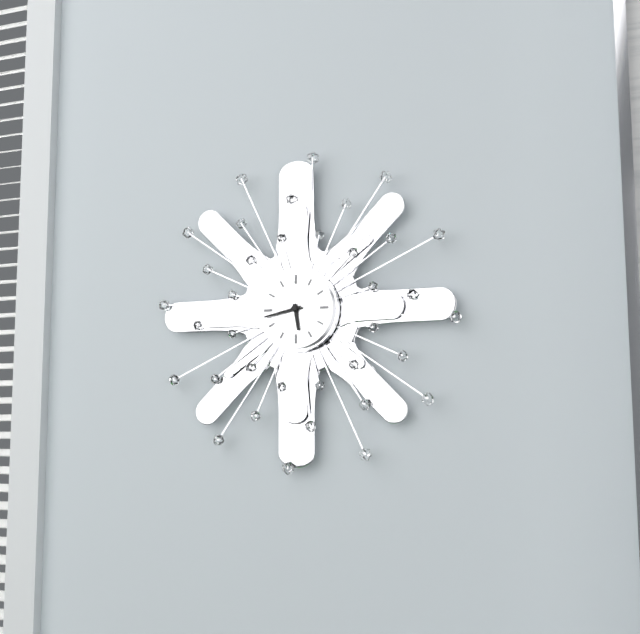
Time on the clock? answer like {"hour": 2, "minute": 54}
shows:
{"hour": 5, "minute": 43}
